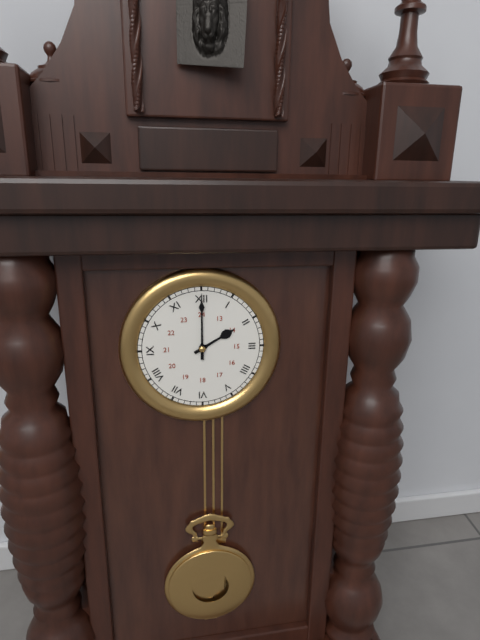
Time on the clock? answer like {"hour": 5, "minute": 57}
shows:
{"hour": 2, "minute": 0}
